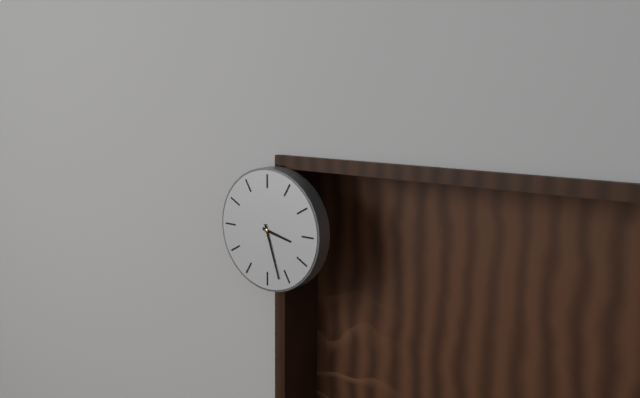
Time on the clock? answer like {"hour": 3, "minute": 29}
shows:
{"hour": 3, "minute": 27}
